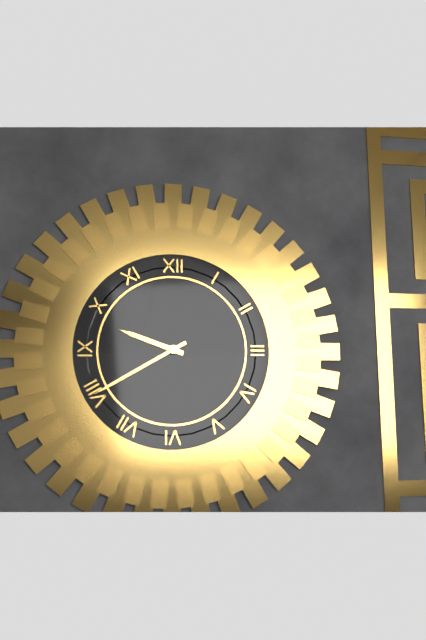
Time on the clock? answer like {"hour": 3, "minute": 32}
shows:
{"hour": 9, "minute": 40}
